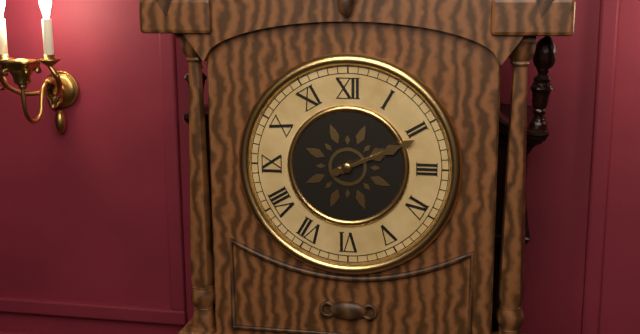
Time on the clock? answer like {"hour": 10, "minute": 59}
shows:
{"hour": 2, "minute": 11}
